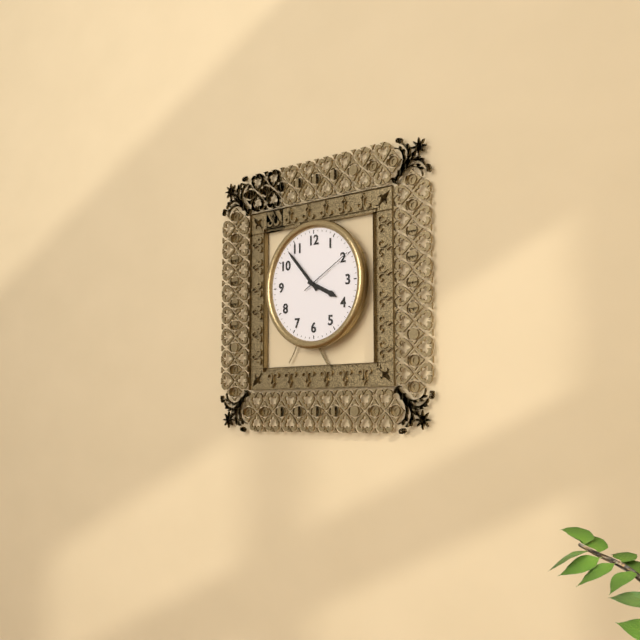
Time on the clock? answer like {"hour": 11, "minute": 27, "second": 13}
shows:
{"hour": 3, "minute": 53, "second": 10}
